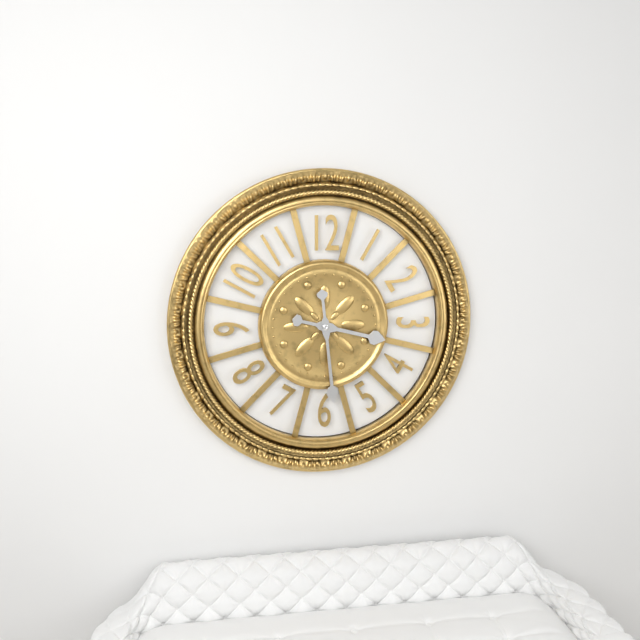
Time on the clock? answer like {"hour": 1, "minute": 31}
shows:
{"hour": 3, "minute": 29}
